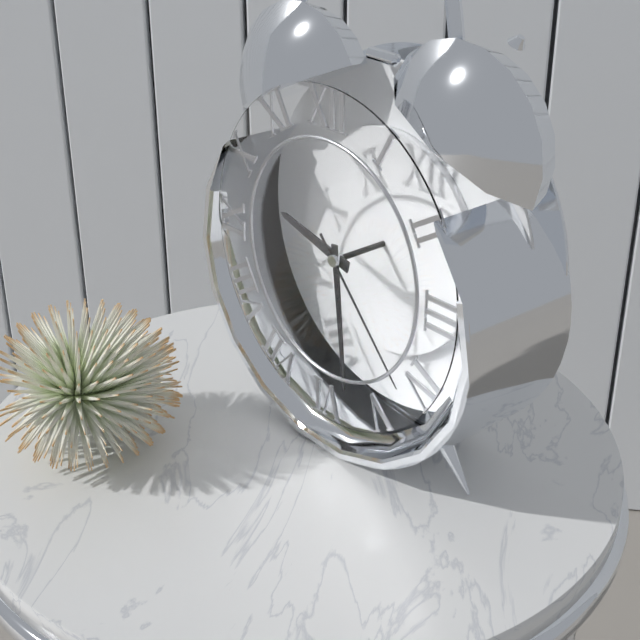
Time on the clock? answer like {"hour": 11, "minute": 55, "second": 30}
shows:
{"hour": 9, "minute": 29, "second": 23}
